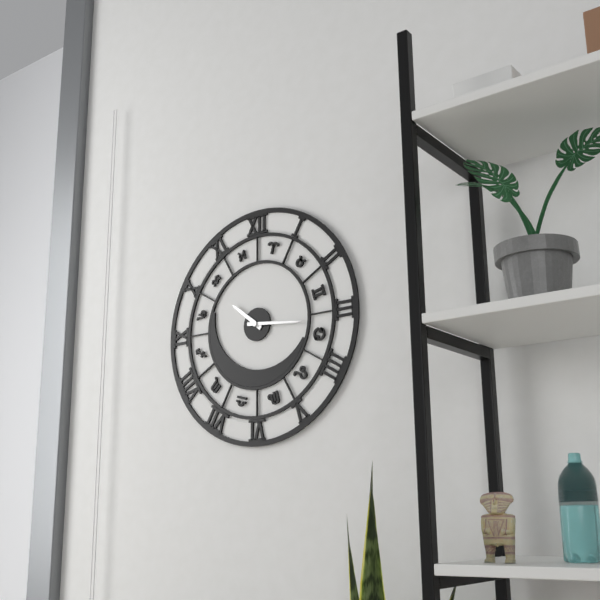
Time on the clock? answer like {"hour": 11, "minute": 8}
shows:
{"hour": 10, "minute": 16}
